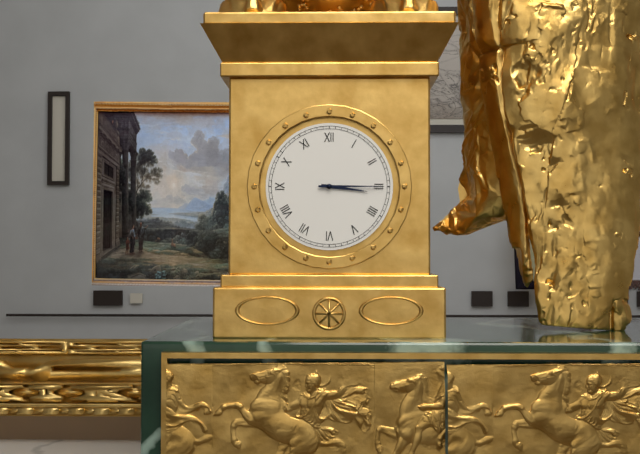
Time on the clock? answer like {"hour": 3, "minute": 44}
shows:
{"hour": 3, "minute": 15}
